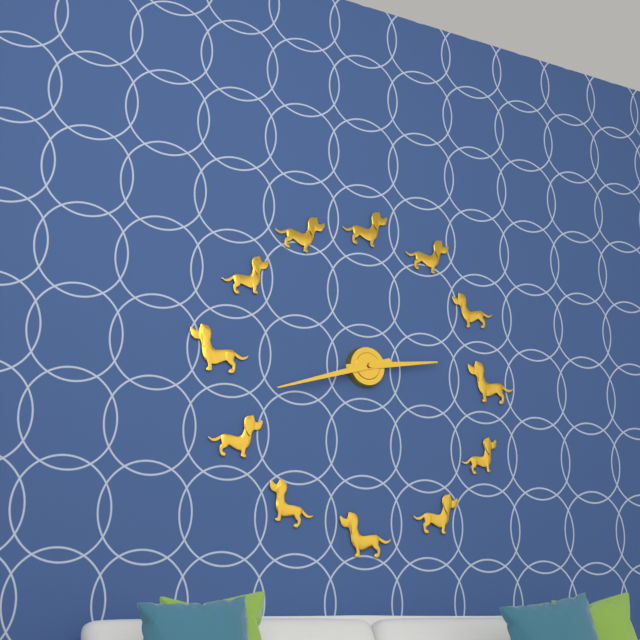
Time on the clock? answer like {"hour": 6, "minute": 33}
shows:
{"hour": 2, "minute": 42}
